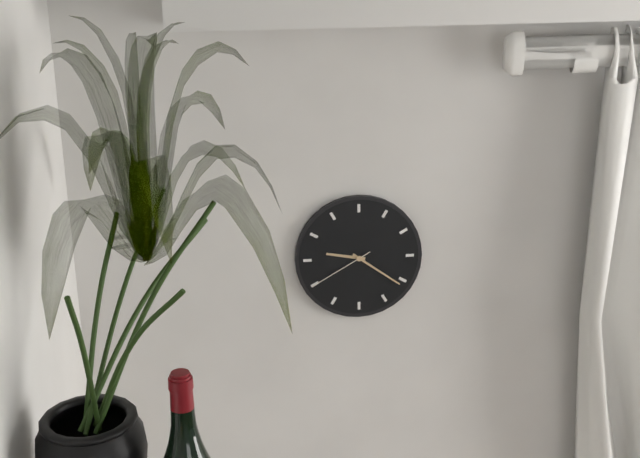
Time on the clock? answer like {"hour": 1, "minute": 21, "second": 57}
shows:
{"hour": 9, "minute": 21, "second": 40}
